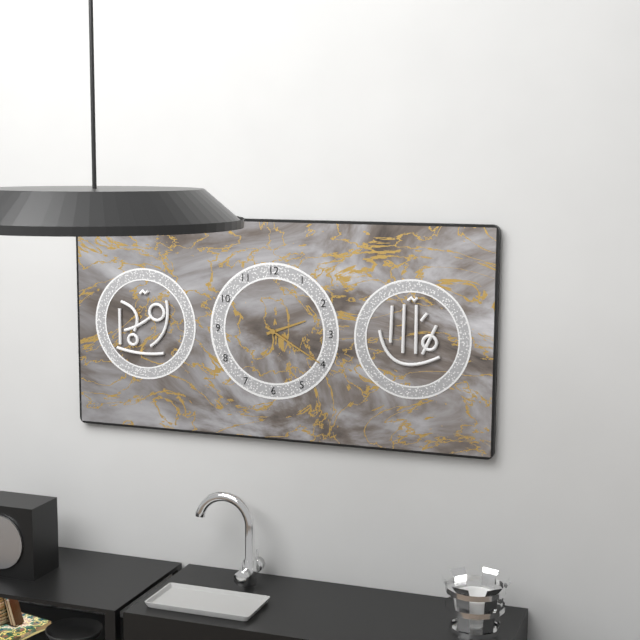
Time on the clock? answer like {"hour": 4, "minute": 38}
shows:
{"hour": 2, "minute": 20}
